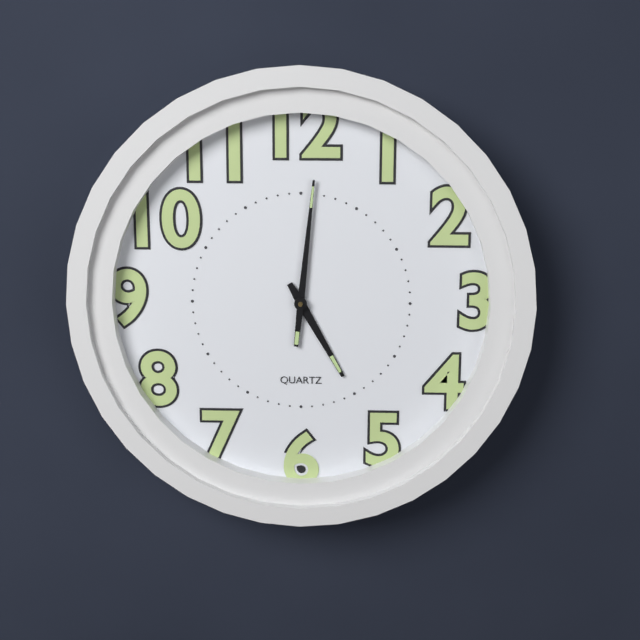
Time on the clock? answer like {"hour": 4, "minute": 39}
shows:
{"hour": 5, "minute": 1}
